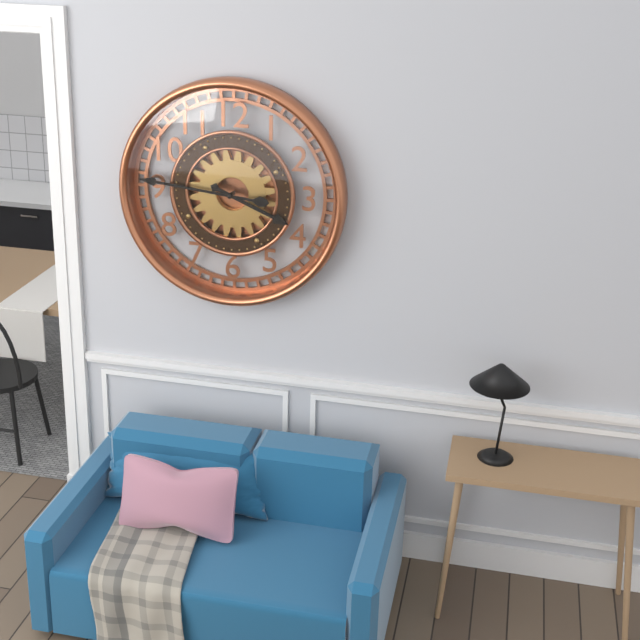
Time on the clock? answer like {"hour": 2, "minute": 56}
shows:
{"hour": 3, "minute": 46}
